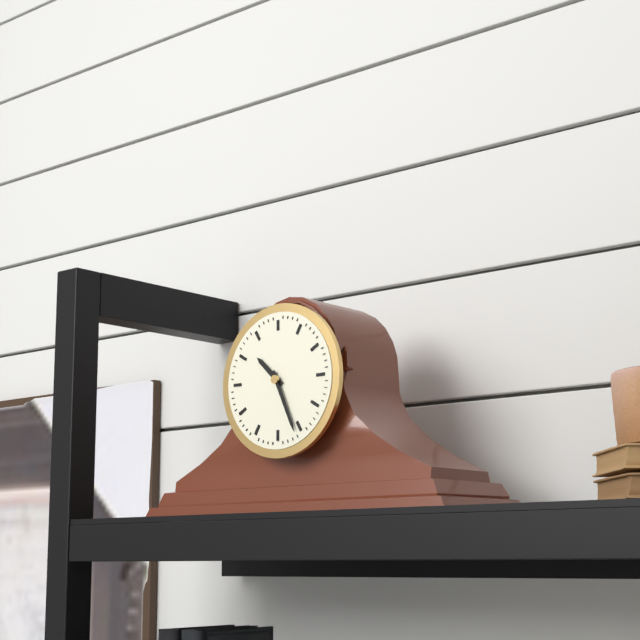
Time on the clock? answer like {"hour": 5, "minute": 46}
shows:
{"hour": 10, "minute": 26}
